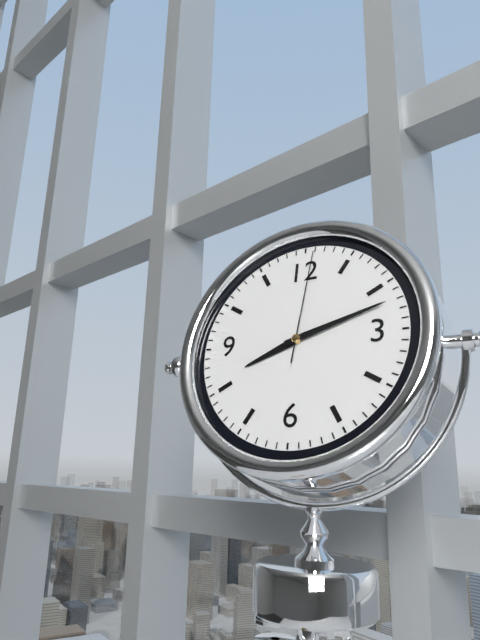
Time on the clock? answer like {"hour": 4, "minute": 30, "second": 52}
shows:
{"hour": 8, "minute": 12, "second": 1}
